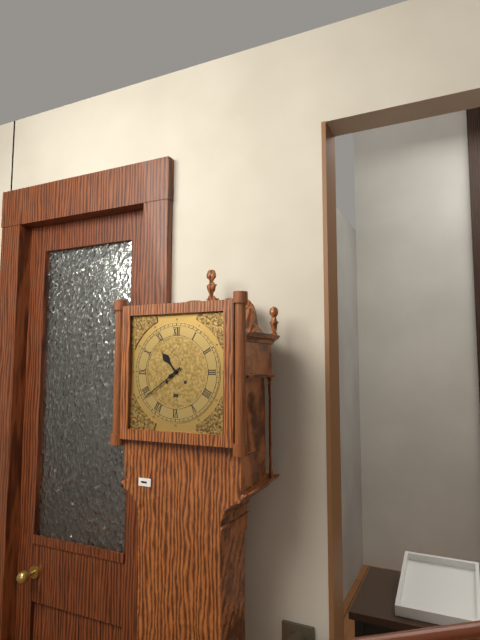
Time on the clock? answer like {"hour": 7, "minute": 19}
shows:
{"hour": 10, "minute": 39}
